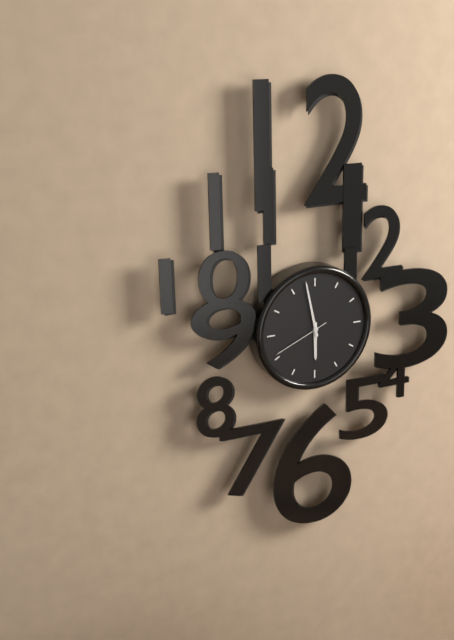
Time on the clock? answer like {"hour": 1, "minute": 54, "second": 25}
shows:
{"hour": 5, "minute": 58, "second": 41}
